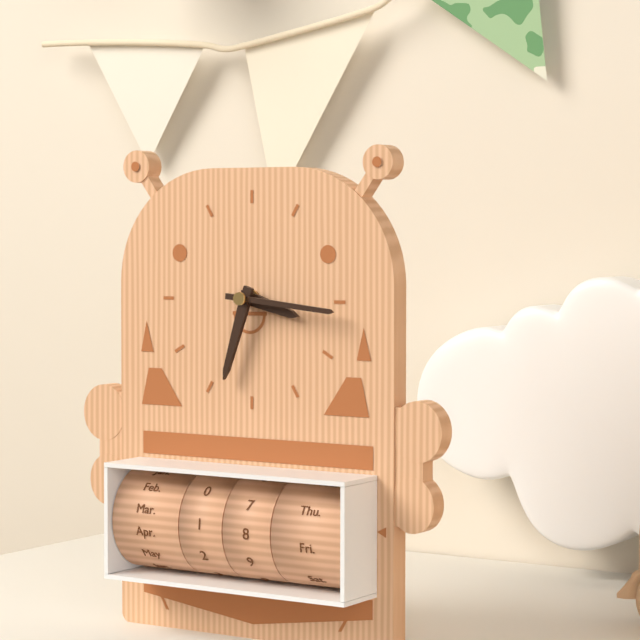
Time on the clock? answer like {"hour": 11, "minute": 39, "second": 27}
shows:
{"hour": 3, "minute": 33, "second": 16}
